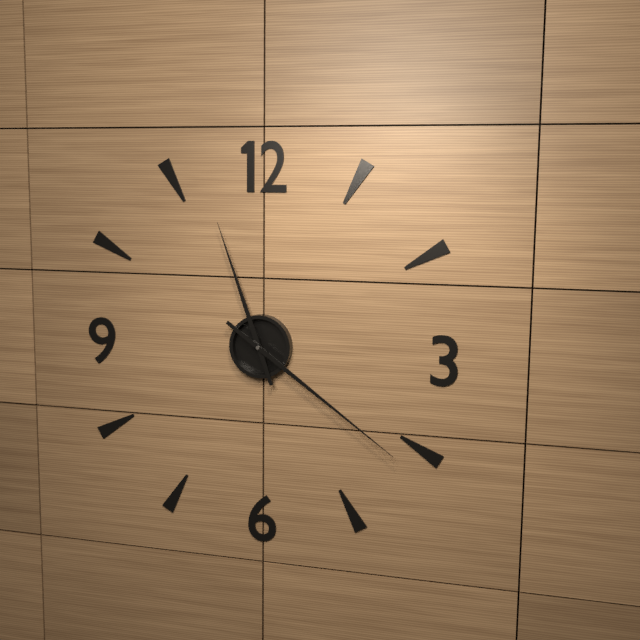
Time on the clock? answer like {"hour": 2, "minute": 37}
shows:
{"hour": 11, "minute": 21}
